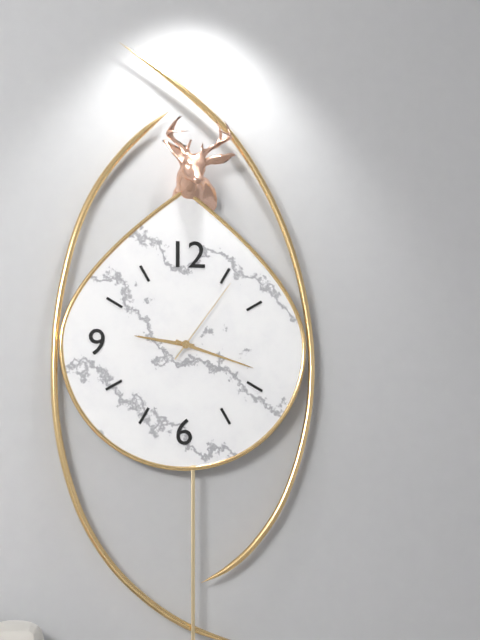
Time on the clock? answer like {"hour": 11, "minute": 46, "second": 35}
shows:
{"hour": 9, "minute": 18, "second": 6}
